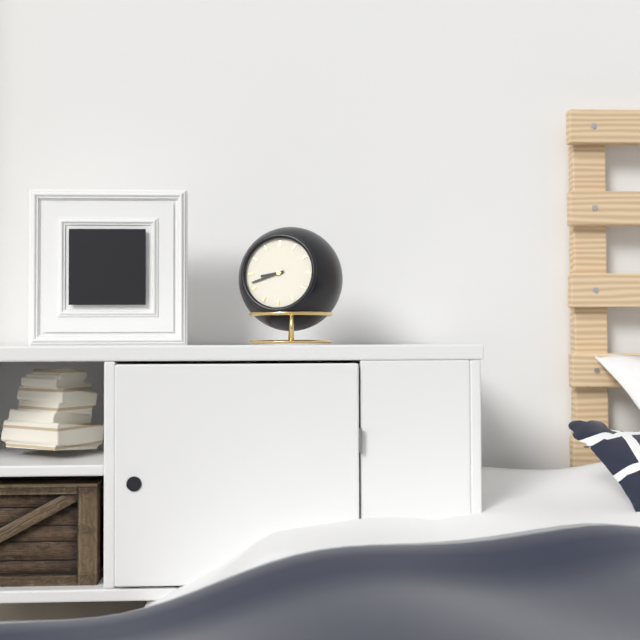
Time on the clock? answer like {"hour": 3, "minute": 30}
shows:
{"hour": 8, "minute": 42}
